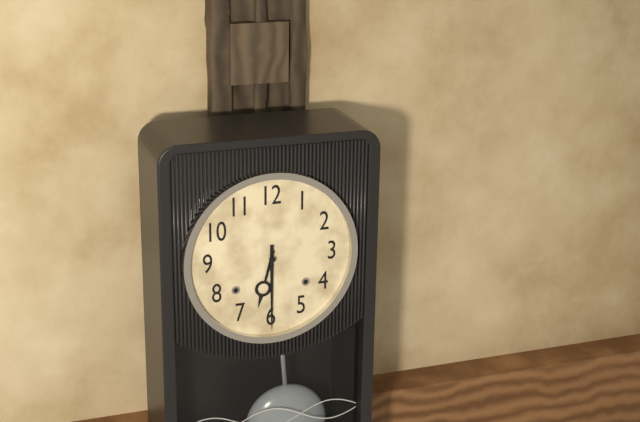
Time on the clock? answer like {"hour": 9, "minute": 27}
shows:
{"hour": 6, "minute": 30}
